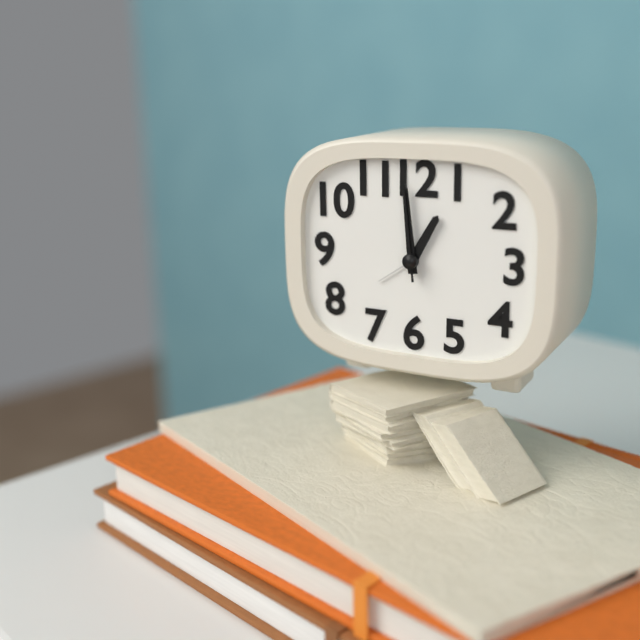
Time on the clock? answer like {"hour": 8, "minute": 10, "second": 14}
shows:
{"hour": 12, "minute": 59, "second": 59}
